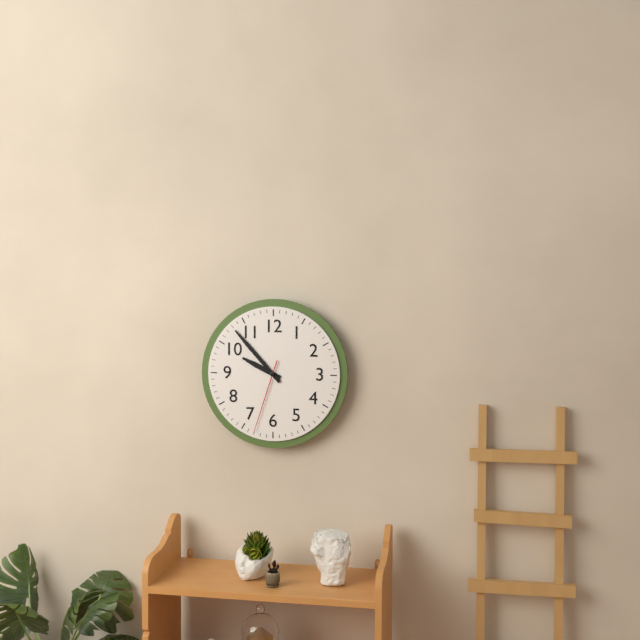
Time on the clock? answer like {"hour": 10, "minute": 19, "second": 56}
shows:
{"hour": 9, "minute": 53, "second": 33}
